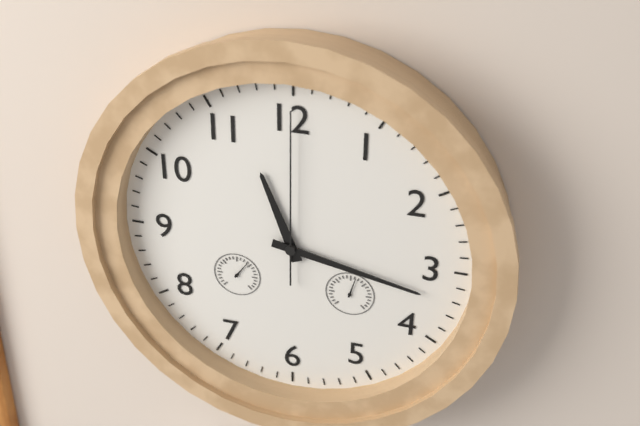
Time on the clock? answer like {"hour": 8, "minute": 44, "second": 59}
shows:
{"hour": 11, "minute": 17, "second": 0}
